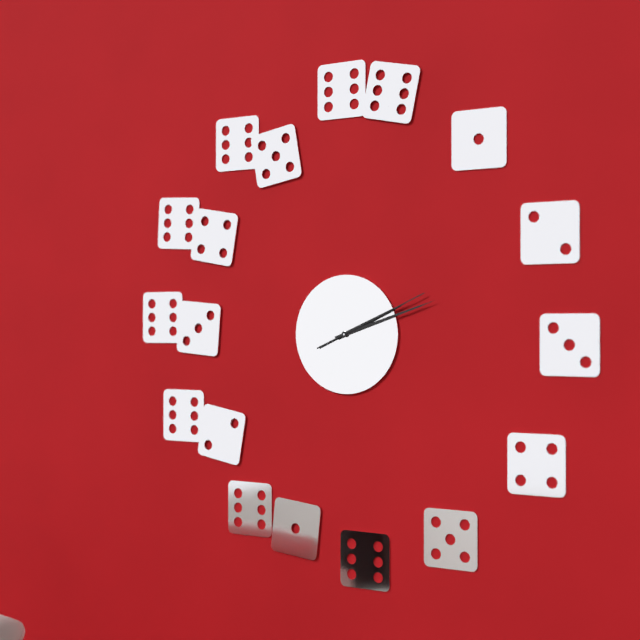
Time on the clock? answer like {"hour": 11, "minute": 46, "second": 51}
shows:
{"hour": 2, "minute": 12, "second": 11}
